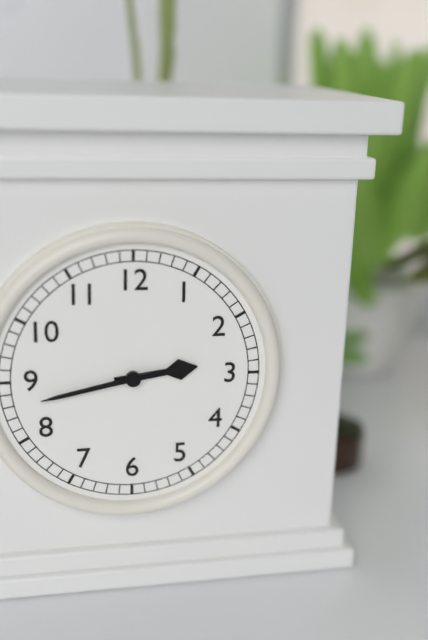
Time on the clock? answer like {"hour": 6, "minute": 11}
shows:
{"hour": 2, "minute": 43}
